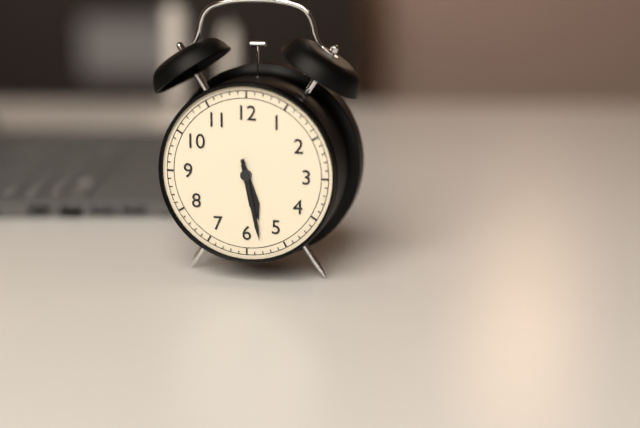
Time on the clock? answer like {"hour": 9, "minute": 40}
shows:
{"hour": 5, "minute": 28}
